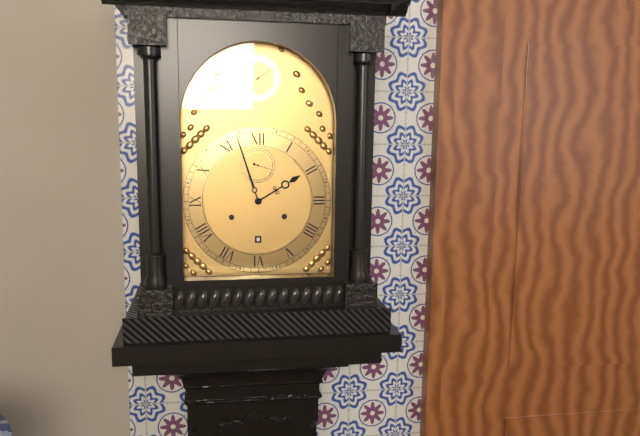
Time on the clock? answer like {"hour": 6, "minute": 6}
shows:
{"hour": 1, "minute": 57}
